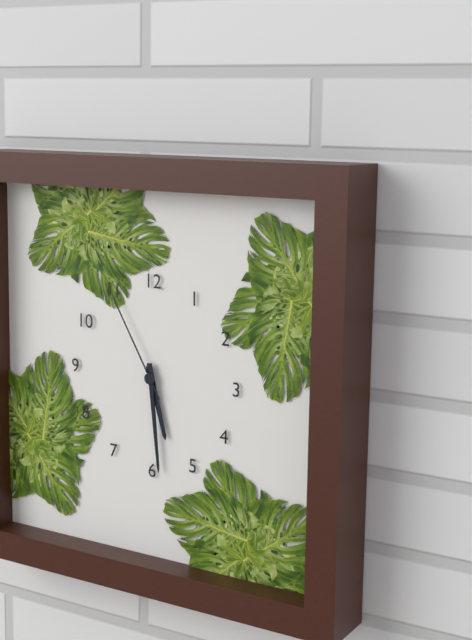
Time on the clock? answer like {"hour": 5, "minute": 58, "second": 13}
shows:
{"hour": 5, "minute": 29, "second": 55}
